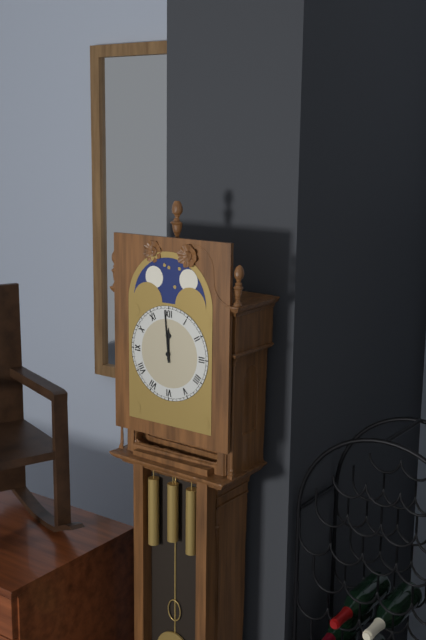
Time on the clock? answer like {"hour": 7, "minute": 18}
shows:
{"hour": 11, "minute": 59}
